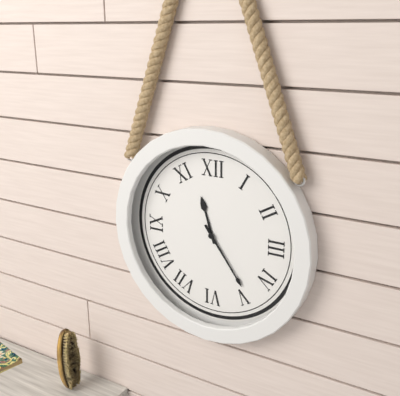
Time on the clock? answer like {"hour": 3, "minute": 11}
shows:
{"hour": 11, "minute": 24}
